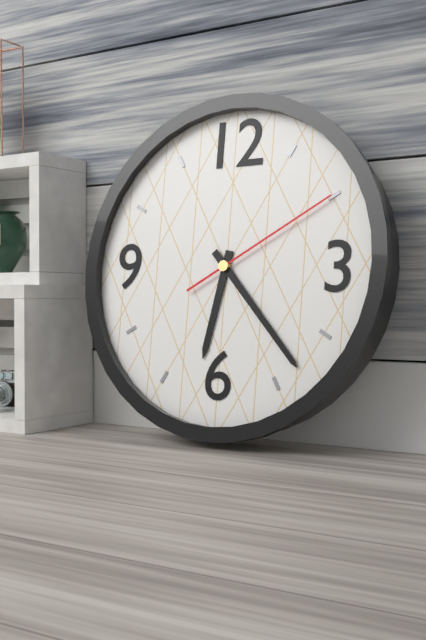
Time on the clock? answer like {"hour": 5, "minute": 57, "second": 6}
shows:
{"hour": 6, "minute": 23, "second": 10}
